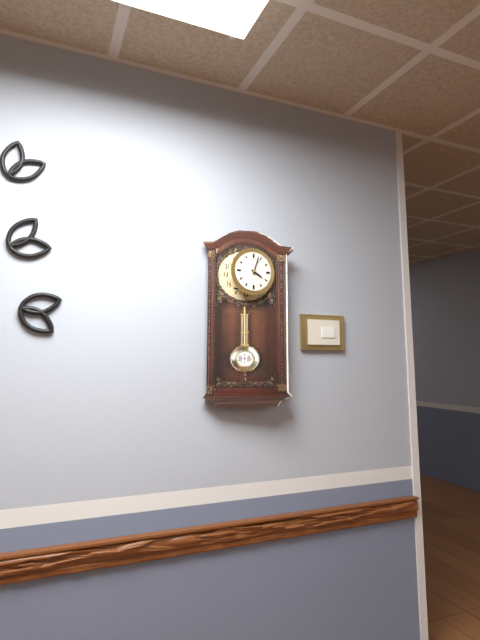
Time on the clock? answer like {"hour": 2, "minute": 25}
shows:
{"hour": 4, "minute": 3}
